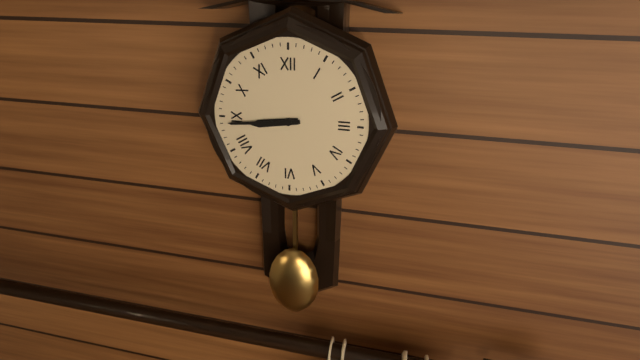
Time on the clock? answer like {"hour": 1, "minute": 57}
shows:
{"hour": 8, "minute": 44}
